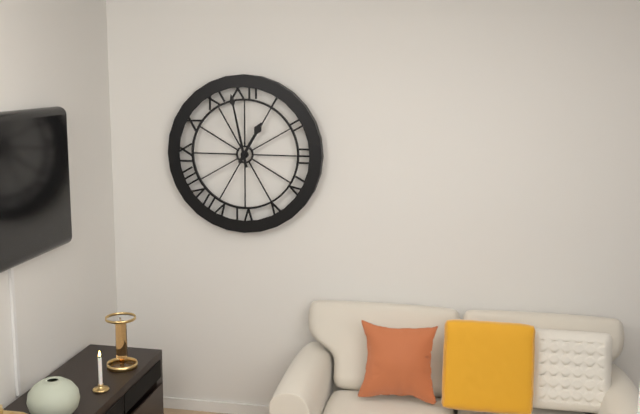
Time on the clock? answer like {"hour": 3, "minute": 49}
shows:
{"hour": 12, "minute": 58}
